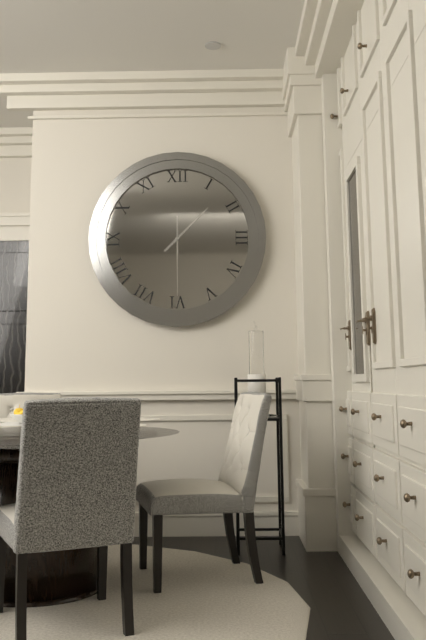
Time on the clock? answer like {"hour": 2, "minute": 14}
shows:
{"hour": 1, "minute": 30}
